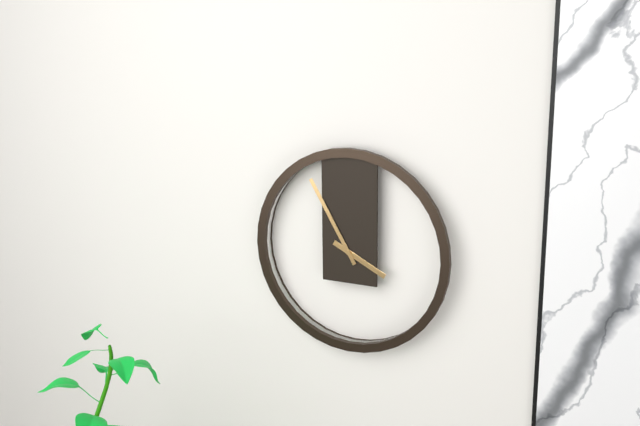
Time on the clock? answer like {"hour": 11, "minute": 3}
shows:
{"hour": 3, "minute": 55}
